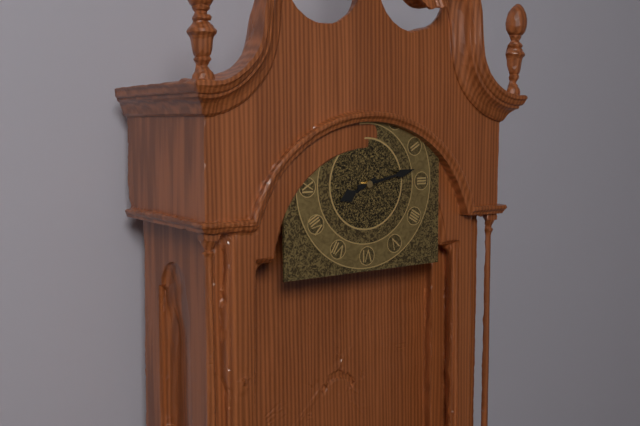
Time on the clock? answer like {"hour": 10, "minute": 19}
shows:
{"hour": 8, "minute": 13}
